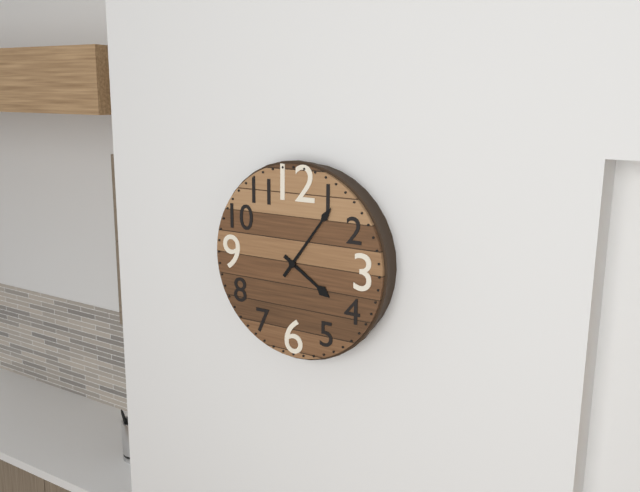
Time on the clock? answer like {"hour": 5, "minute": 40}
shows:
{"hour": 4, "minute": 6}
